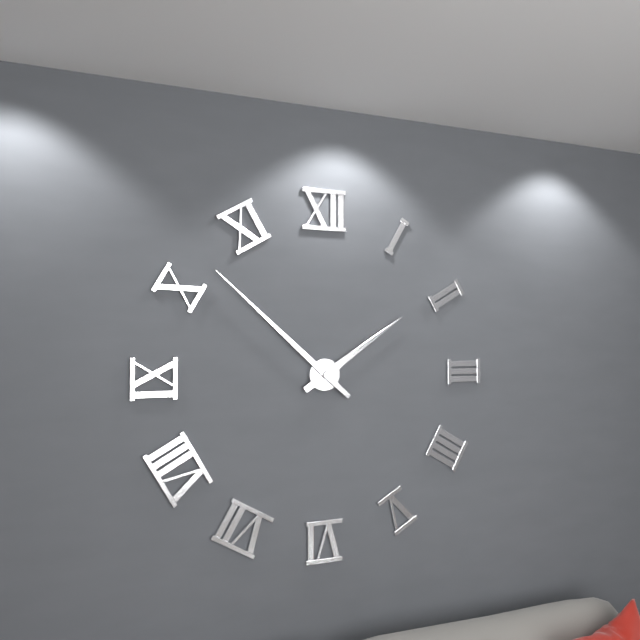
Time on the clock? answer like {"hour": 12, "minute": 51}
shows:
{"hour": 1, "minute": 52}
